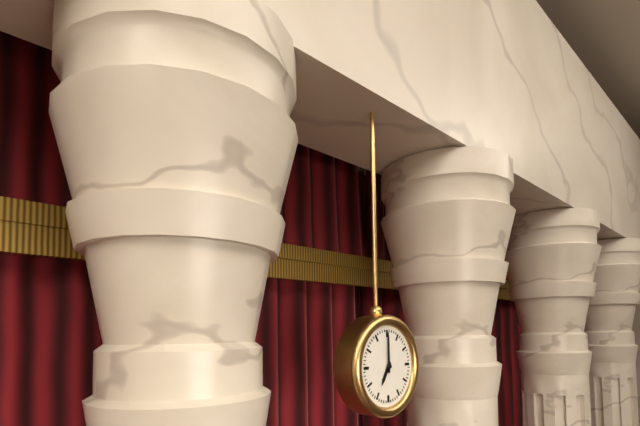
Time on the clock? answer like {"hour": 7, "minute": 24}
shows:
{"hour": 7, "minute": 0}
